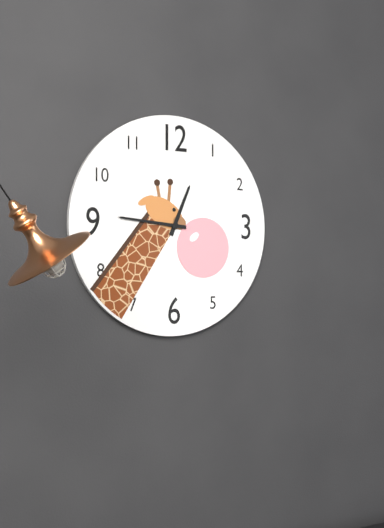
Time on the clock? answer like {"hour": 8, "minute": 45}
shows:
{"hour": 12, "minute": 46}
